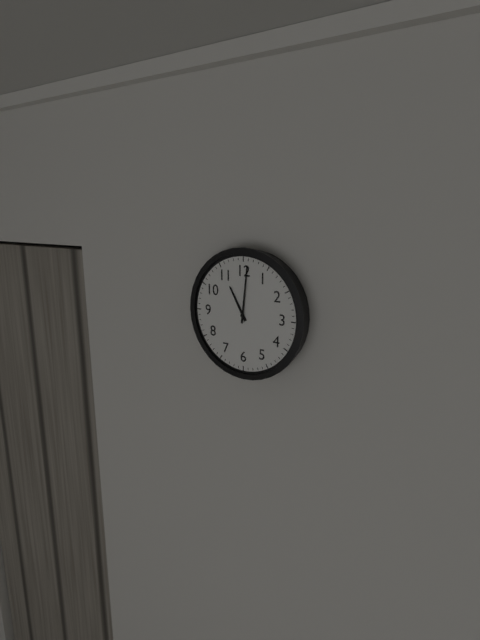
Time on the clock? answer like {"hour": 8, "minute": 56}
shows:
{"hour": 11, "minute": 1}
